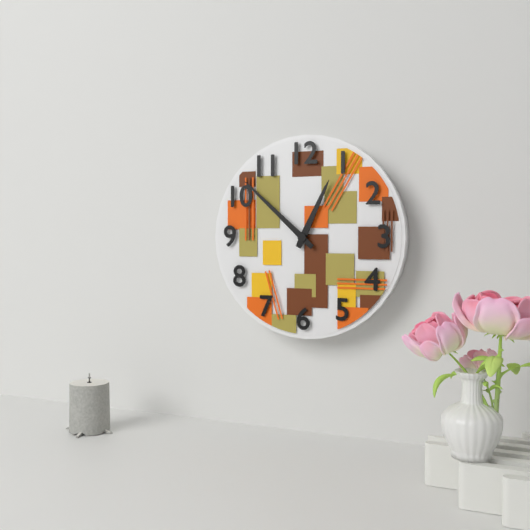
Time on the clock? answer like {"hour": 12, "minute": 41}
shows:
{"hour": 12, "minute": 52}
